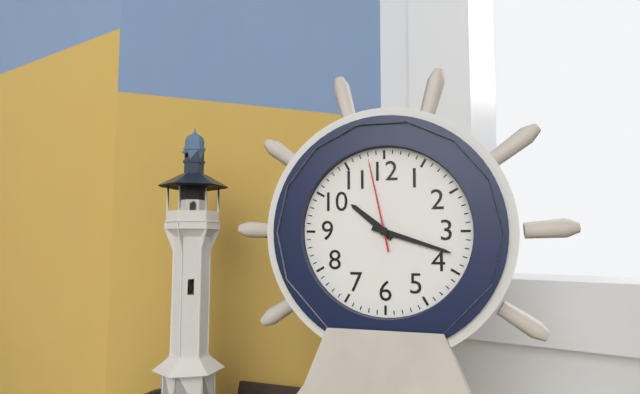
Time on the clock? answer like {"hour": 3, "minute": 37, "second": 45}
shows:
{"hour": 10, "minute": 18, "second": 58}
